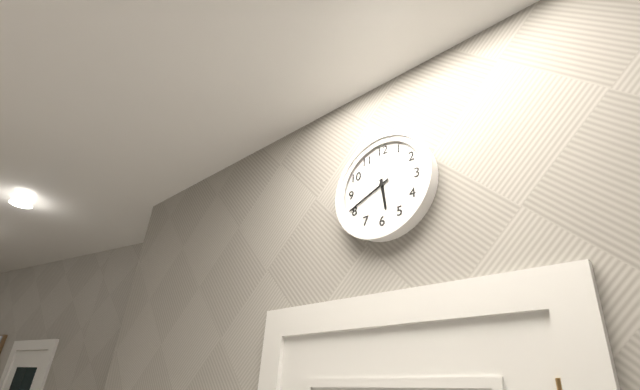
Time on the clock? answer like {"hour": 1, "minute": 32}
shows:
{"hour": 5, "minute": 41}
